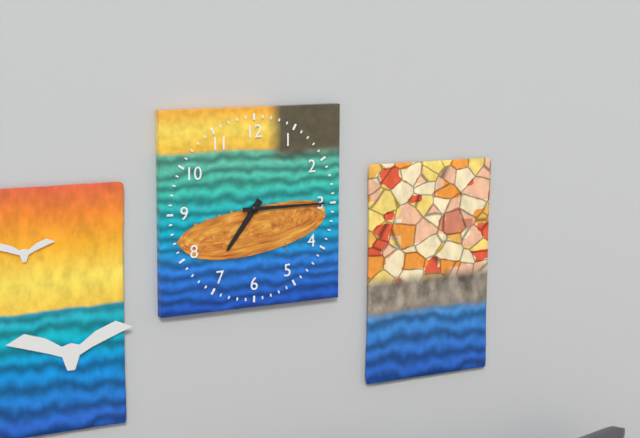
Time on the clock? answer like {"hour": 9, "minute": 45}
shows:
{"hour": 7, "minute": 15}
